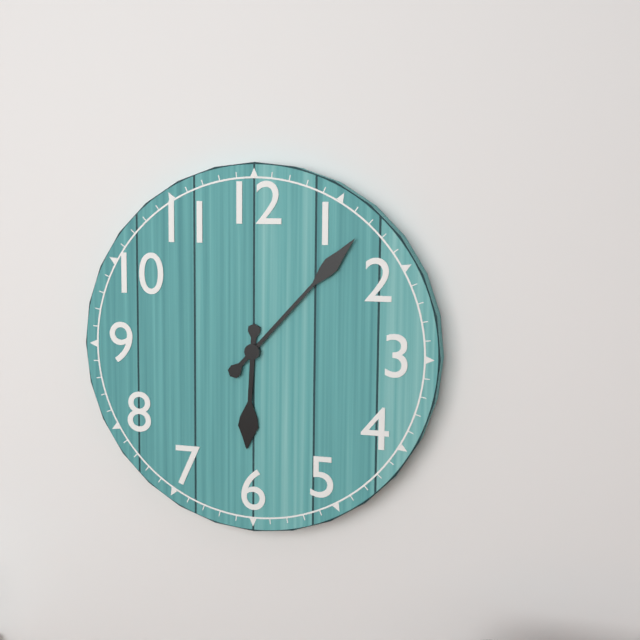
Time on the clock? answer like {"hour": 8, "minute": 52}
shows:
{"hour": 6, "minute": 7}
